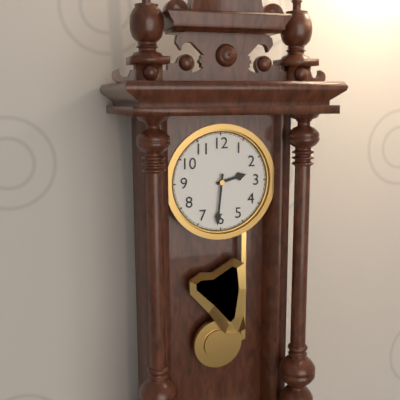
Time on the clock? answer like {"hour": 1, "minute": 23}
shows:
{"hour": 2, "minute": 31}
